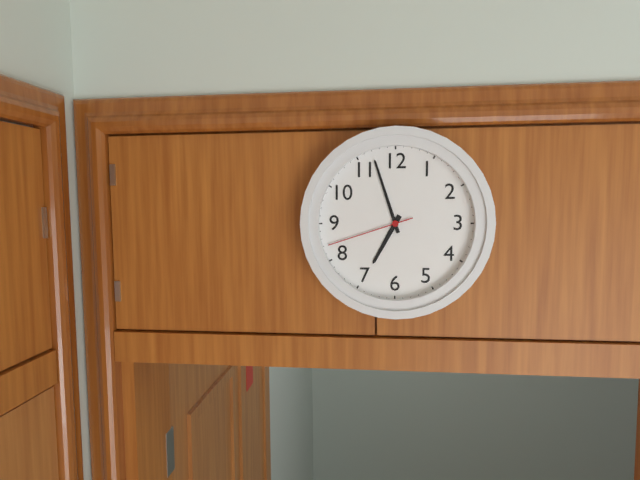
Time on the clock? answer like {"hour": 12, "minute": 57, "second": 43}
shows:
{"hour": 6, "minute": 57, "second": 42}
